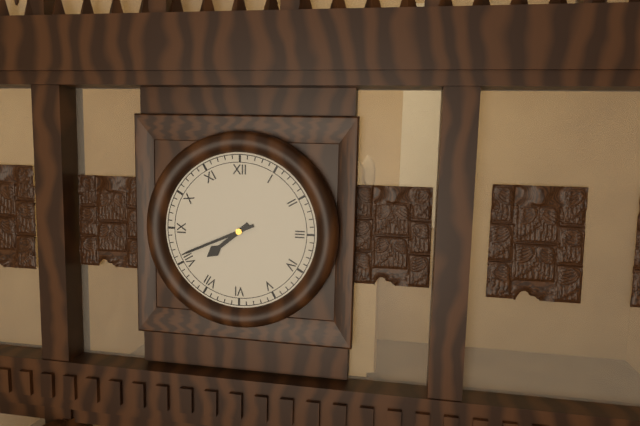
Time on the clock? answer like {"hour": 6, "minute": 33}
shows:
{"hour": 7, "minute": 41}
